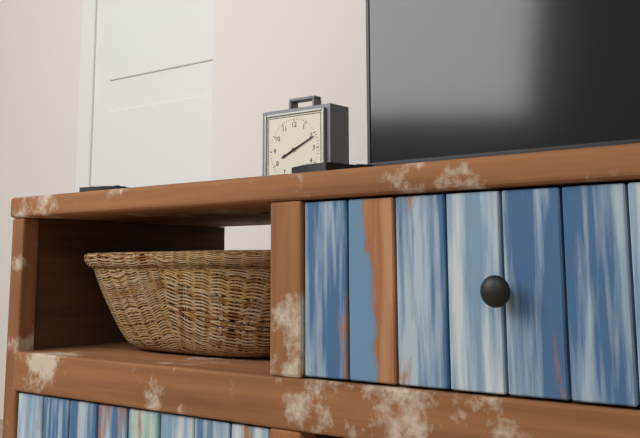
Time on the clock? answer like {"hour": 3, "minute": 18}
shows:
{"hour": 8, "minute": 11}
